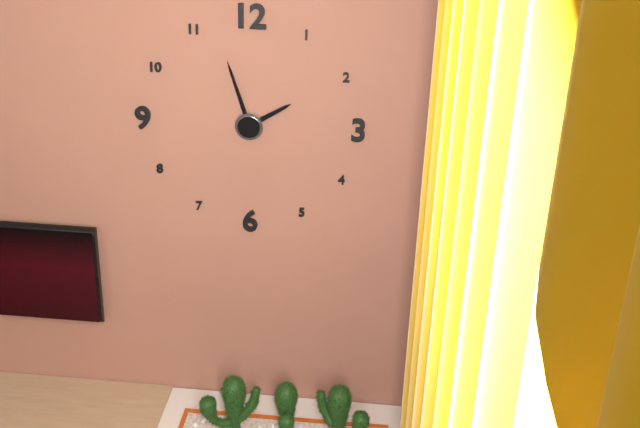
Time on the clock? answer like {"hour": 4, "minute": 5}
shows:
{"hour": 1, "minute": 57}
